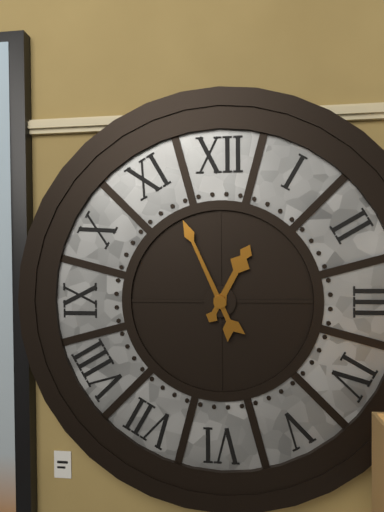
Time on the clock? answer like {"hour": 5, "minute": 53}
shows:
{"hour": 12, "minute": 56}
